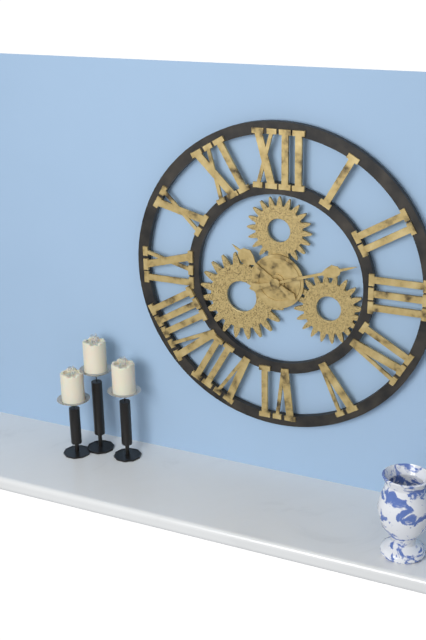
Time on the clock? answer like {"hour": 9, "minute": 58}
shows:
{"hour": 10, "minute": 12}
